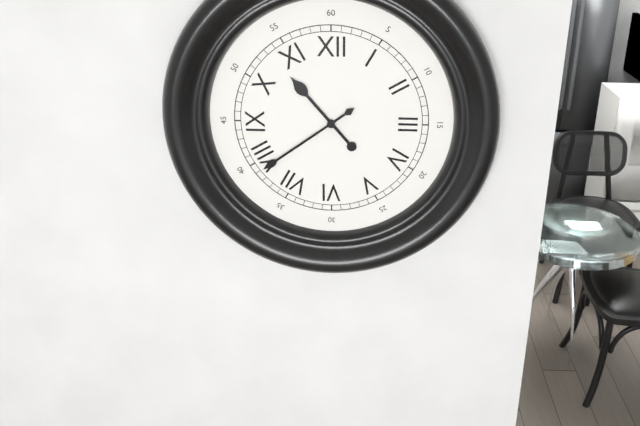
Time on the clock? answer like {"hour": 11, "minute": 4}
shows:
{"hour": 10, "minute": 39}
